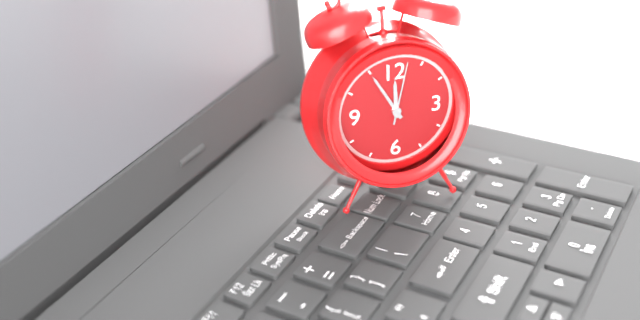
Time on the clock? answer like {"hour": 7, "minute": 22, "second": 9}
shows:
{"hour": 11, "minute": 55, "second": 2}
